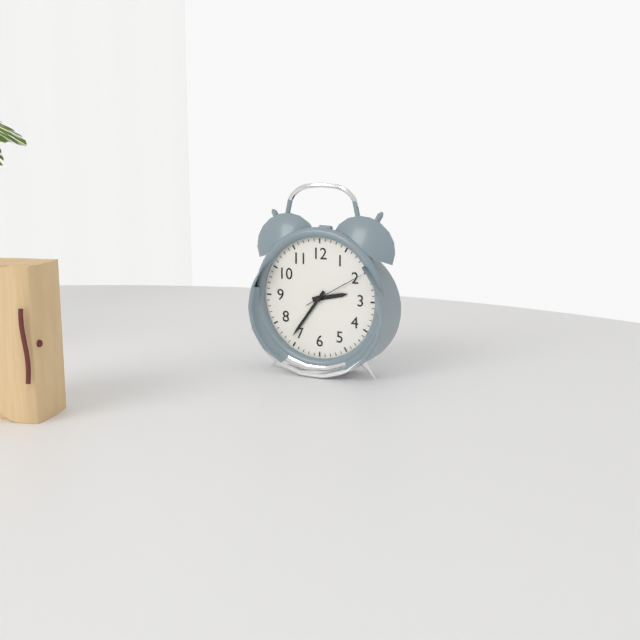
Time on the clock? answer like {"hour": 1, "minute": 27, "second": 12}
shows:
{"hour": 2, "minute": 36, "second": 10}
